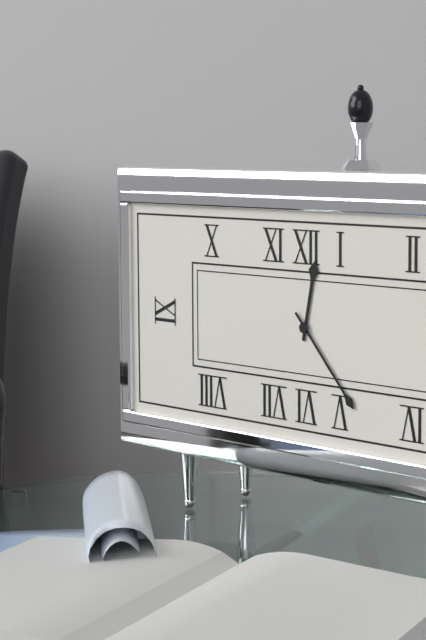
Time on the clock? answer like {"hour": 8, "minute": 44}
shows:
{"hour": 12, "minute": 23}
